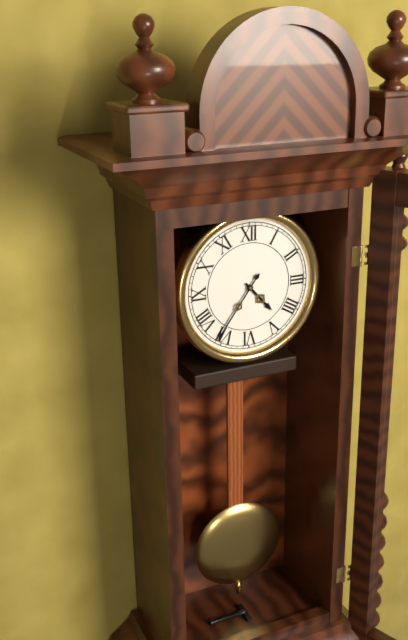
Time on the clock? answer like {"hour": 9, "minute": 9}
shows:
{"hour": 4, "minute": 36}
